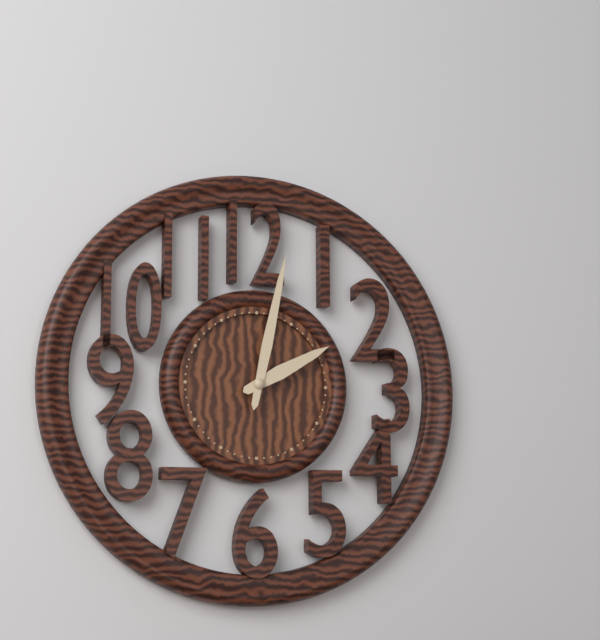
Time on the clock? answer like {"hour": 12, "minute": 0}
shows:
{"hour": 2, "minute": 2}
